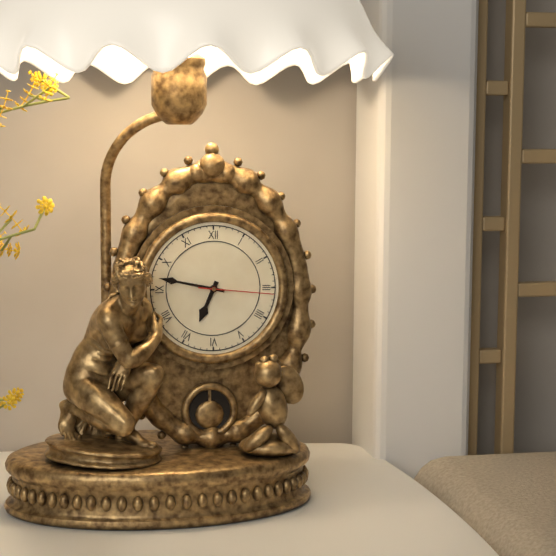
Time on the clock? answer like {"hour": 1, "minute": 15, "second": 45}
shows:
{"hour": 6, "minute": 47, "second": 16}
